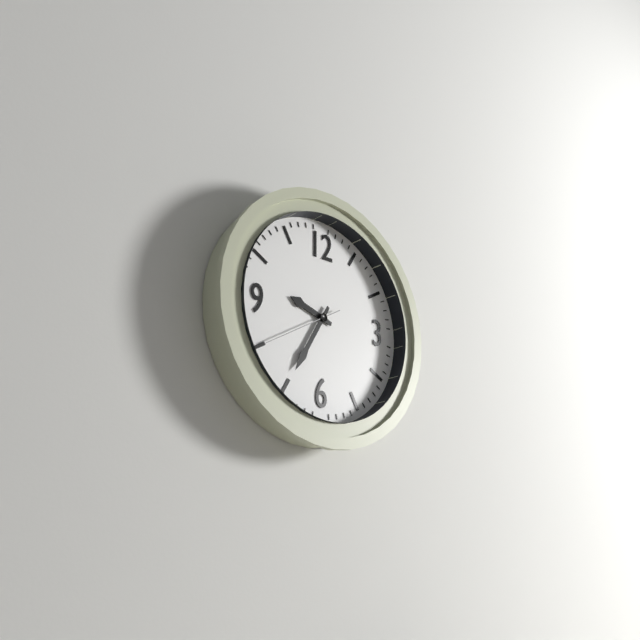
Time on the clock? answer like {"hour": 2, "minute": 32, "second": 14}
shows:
{"hour": 9, "minute": 35, "second": 40}
